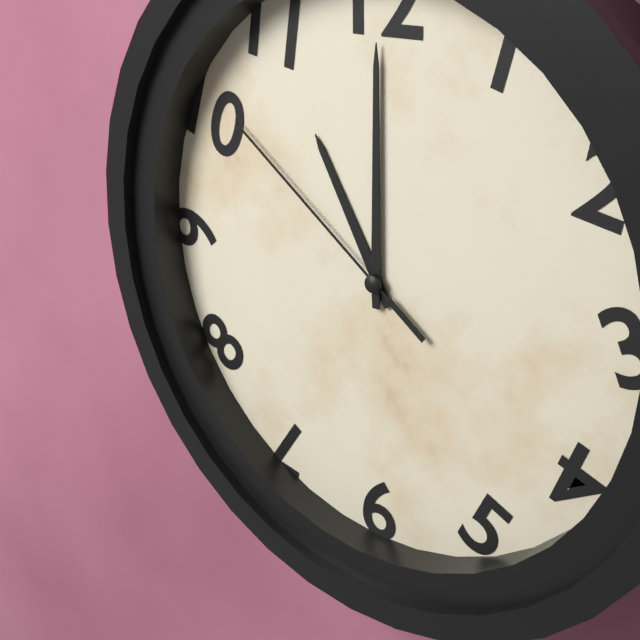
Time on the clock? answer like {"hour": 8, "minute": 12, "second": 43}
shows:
{"hour": 11, "minute": 0, "second": 51}
